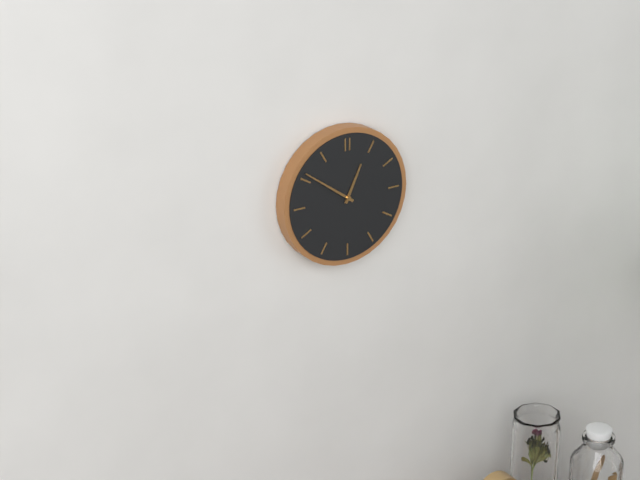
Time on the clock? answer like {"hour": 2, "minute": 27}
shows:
{"hour": 12, "minute": 51}
